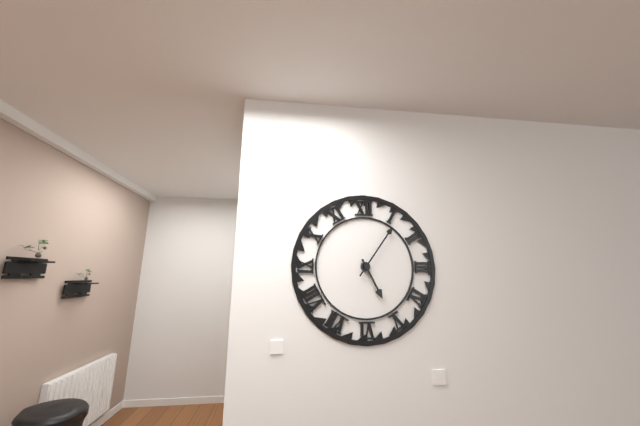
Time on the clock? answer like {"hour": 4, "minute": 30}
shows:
{"hour": 5, "minute": 6}
